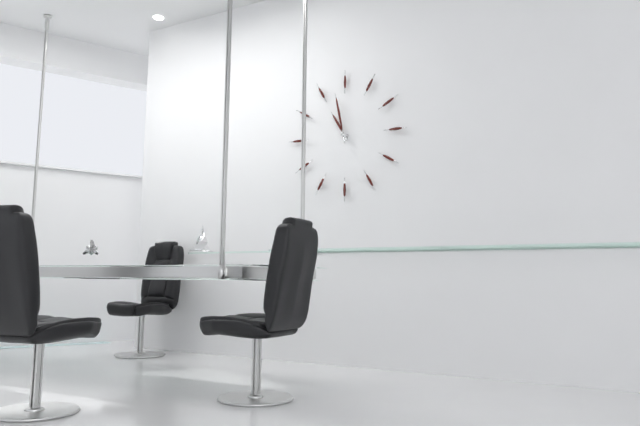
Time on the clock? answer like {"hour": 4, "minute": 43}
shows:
{"hour": 10, "minute": 58}
